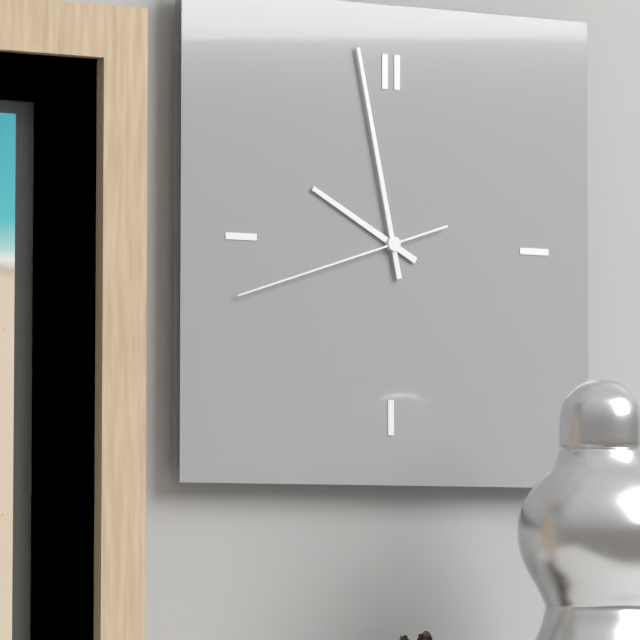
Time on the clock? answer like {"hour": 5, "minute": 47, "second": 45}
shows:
{"hour": 9, "minute": 58, "second": 42}
